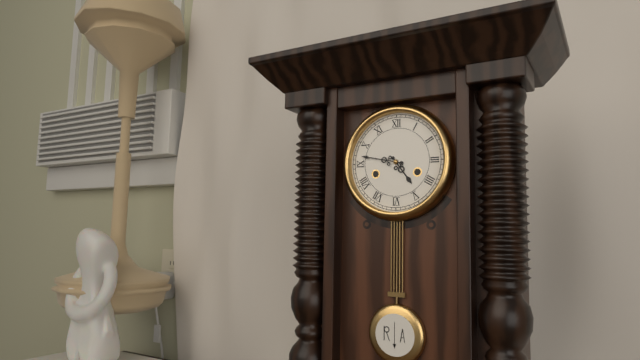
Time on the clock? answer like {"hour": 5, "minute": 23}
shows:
{"hour": 4, "minute": 47}
